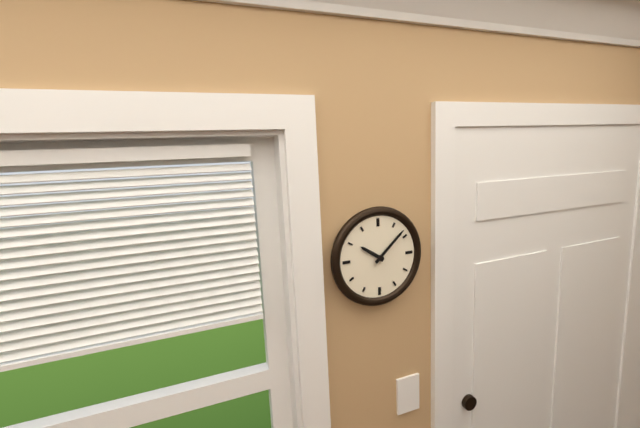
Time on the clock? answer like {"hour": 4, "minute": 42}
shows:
{"hour": 10, "minute": 8}
